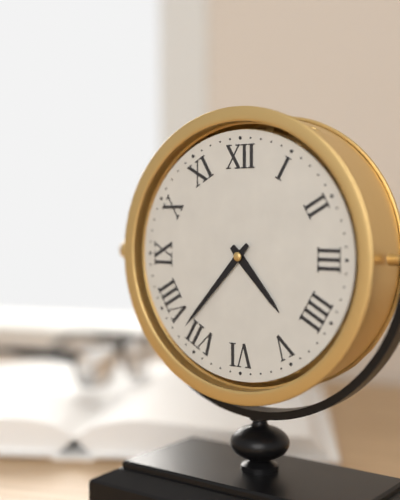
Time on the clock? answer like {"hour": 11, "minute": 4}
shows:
{"hour": 4, "minute": 37}
